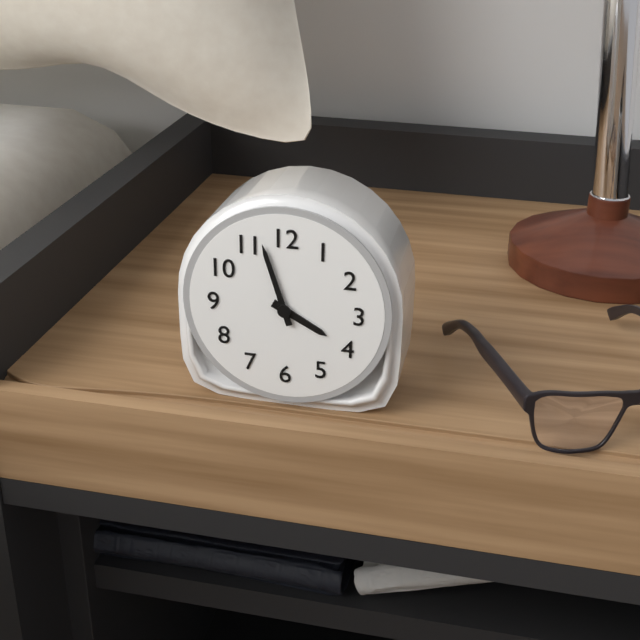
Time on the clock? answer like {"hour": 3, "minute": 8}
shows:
{"hour": 3, "minute": 57}
